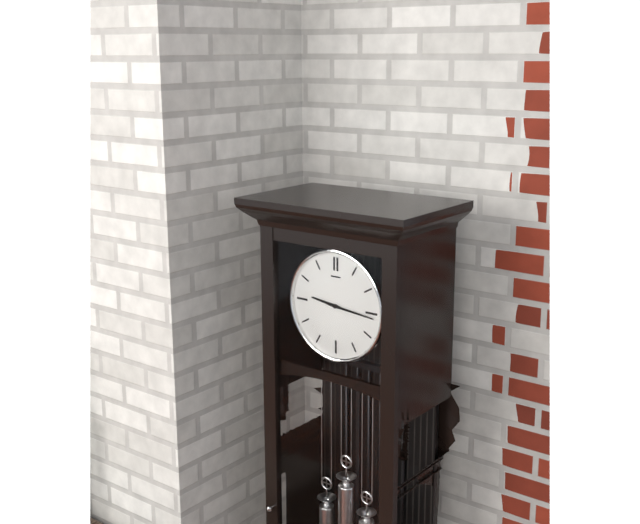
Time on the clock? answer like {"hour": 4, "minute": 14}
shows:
{"hour": 9, "minute": 16}
